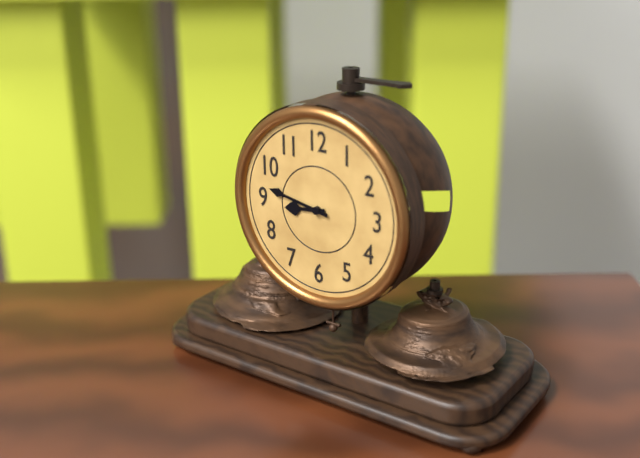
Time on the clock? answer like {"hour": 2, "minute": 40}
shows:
{"hour": 8, "minute": 47}
